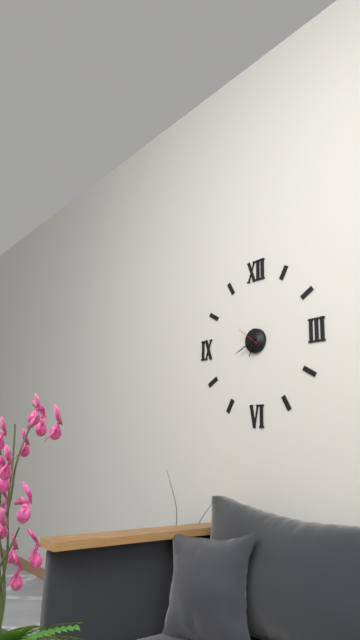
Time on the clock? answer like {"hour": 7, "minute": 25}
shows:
{"hour": 6, "minute": 41}
